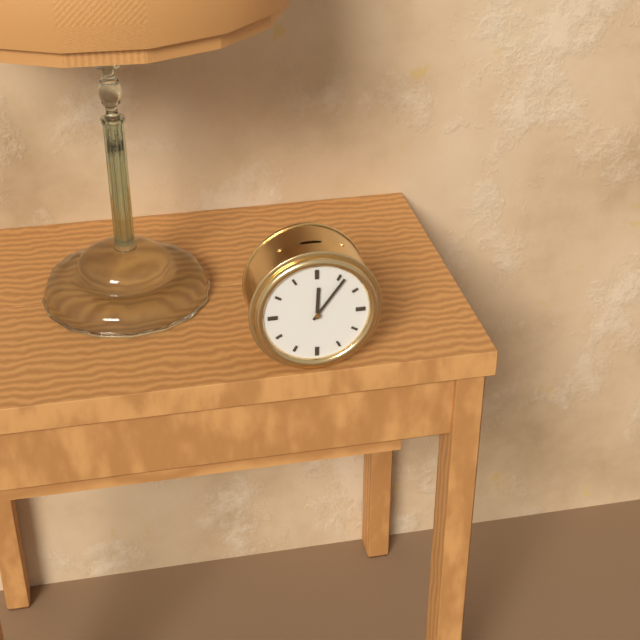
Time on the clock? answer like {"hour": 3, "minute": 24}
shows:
{"hour": 12, "minute": 6}
